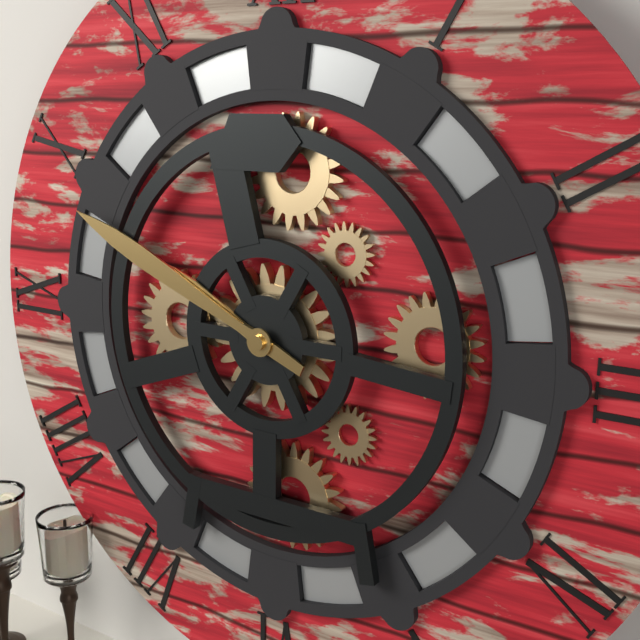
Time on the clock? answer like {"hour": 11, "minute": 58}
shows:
{"hour": 9, "minute": 49}
